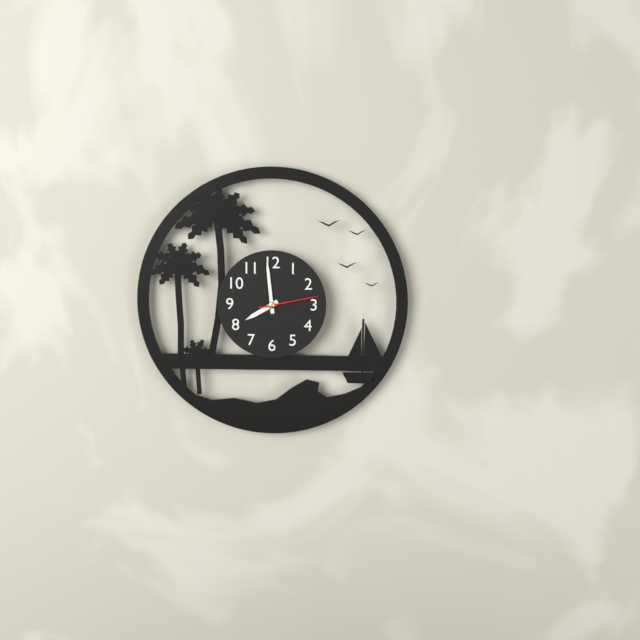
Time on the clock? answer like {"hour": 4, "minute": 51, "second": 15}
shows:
{"hour": 7, "minute": 59, "second": 13}
